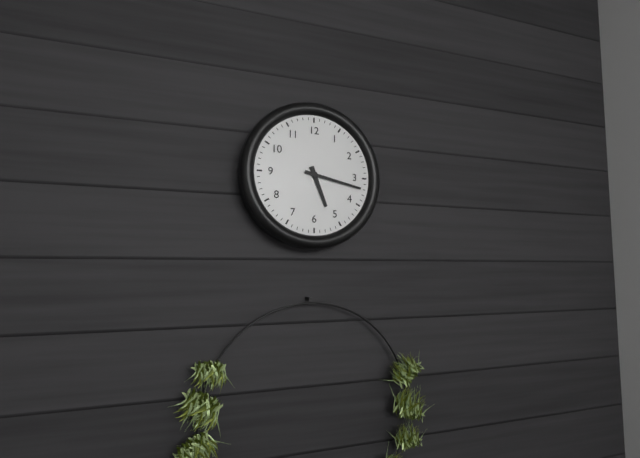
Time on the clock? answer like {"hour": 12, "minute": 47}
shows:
{"hour": 5, "minute": 17}
